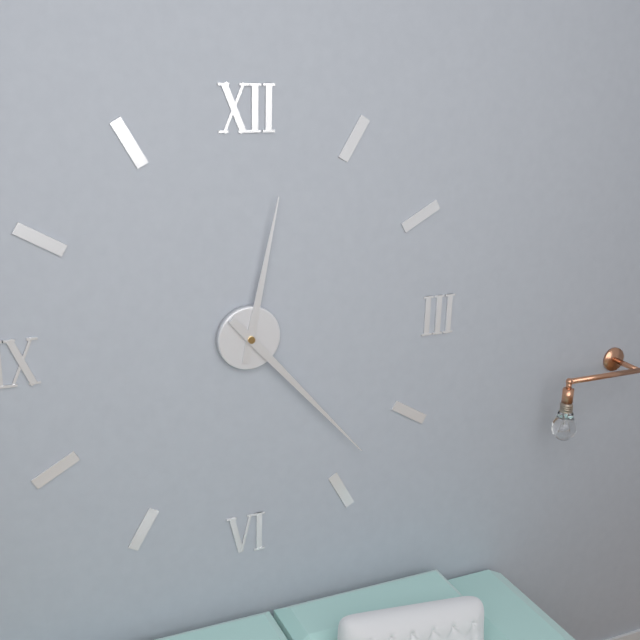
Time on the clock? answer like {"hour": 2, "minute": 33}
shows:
{"hour": 12, "minute": 23}
